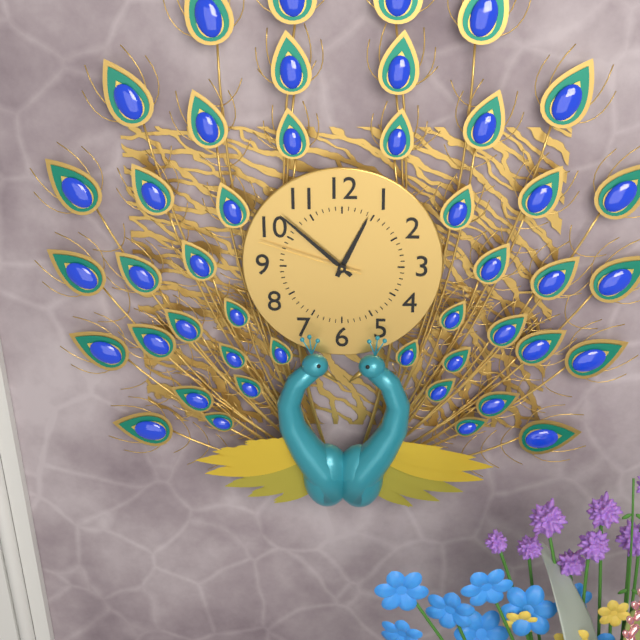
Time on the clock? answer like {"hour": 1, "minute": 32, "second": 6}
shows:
{"hour": 12, "minute": 52, "second": 48}
